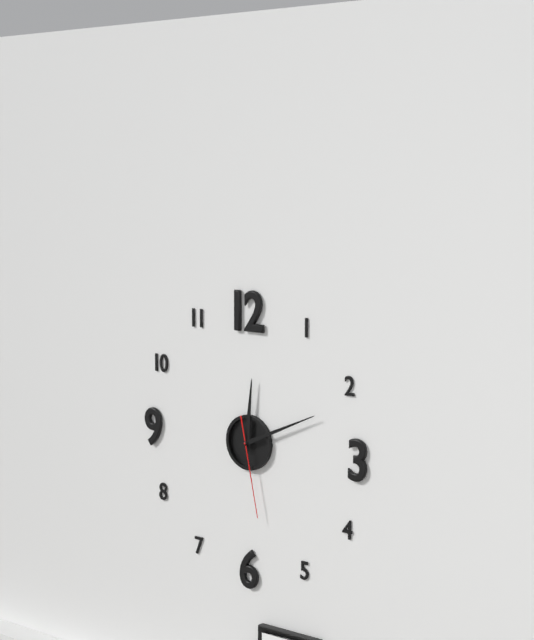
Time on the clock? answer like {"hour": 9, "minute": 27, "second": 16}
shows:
{"hour": 12, "minute": 11, "second": 28}
